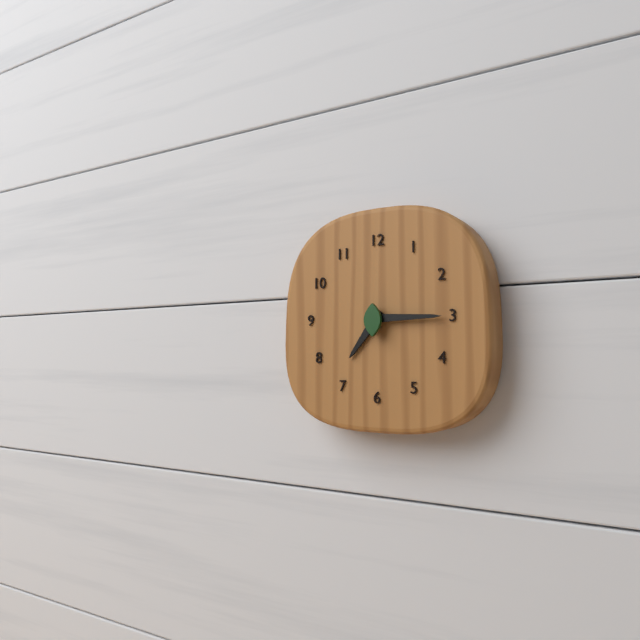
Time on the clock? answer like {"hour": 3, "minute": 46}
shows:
{"hour": 7, "minute": 15}
